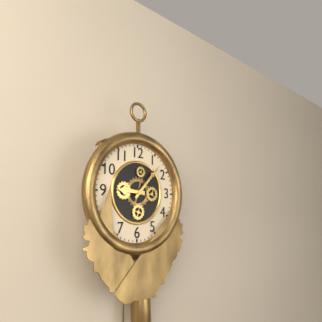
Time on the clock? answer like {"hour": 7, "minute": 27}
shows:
{"hour": 9, "minute": 7}
